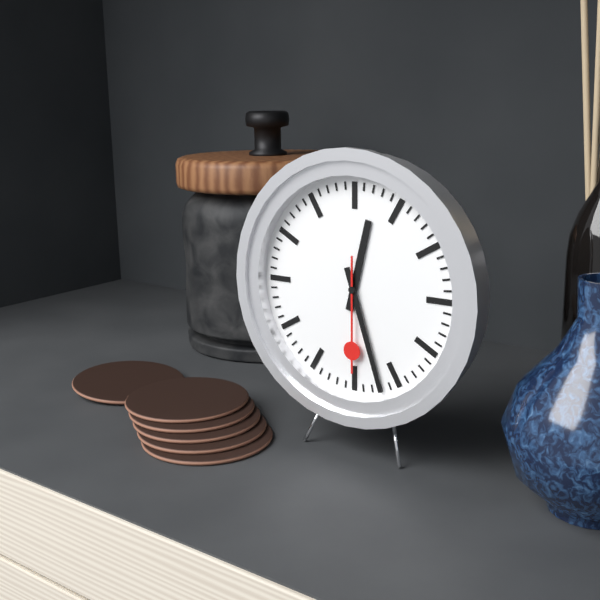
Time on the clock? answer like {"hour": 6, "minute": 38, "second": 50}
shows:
{"hour": 12, "minute": 27, "second": 30}
